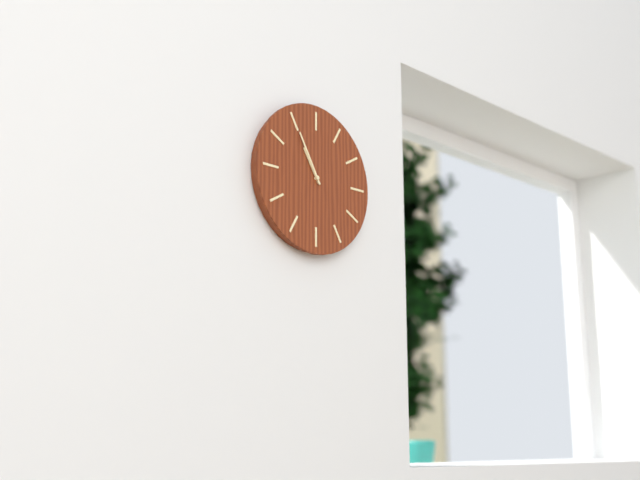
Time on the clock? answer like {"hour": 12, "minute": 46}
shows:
{"hour": 10, "minute": 55}
